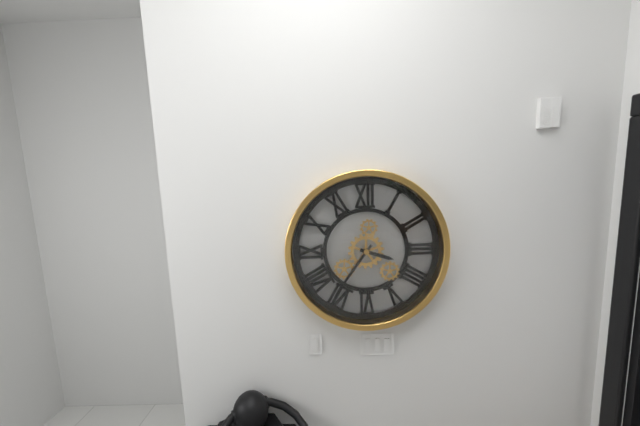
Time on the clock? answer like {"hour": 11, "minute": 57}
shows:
{"hour": 3, "minute": 36}
